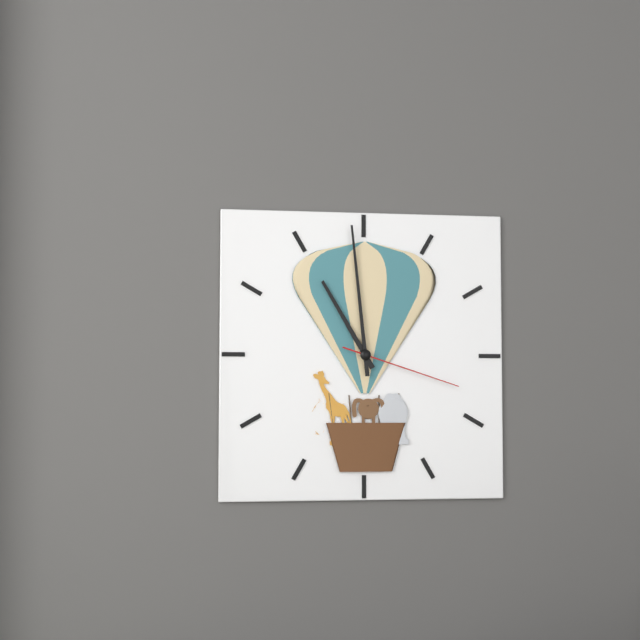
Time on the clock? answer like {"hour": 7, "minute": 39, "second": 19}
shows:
{"hour": 10, "minute": 59, "second": 18}
